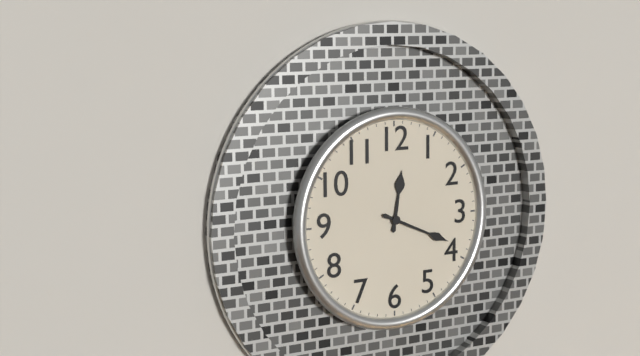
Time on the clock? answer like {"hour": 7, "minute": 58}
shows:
{"hour": 12, "minute": 19}
